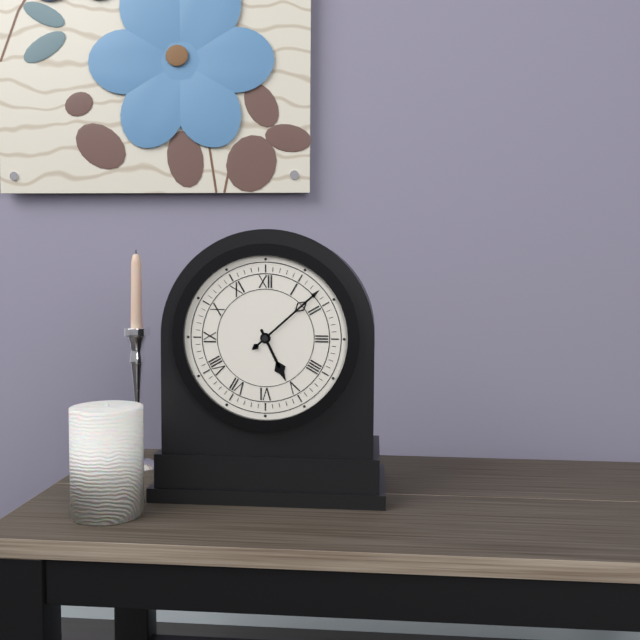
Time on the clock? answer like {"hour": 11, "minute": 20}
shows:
{"hour": 5, "minute": 8}
